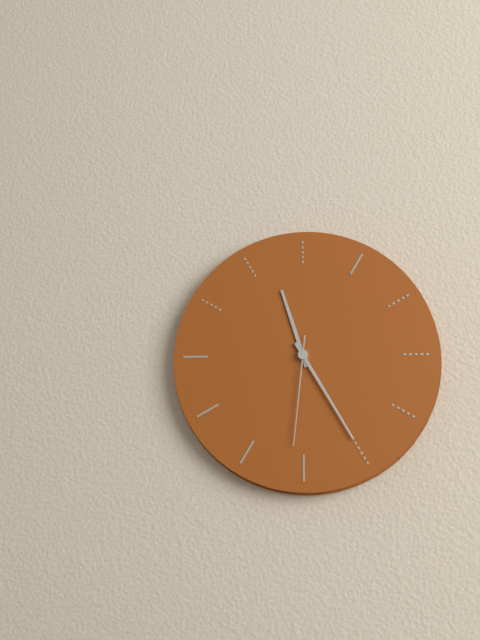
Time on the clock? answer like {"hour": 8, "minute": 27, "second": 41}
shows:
{"hour": 11, "minute": 25, "second": 31}
